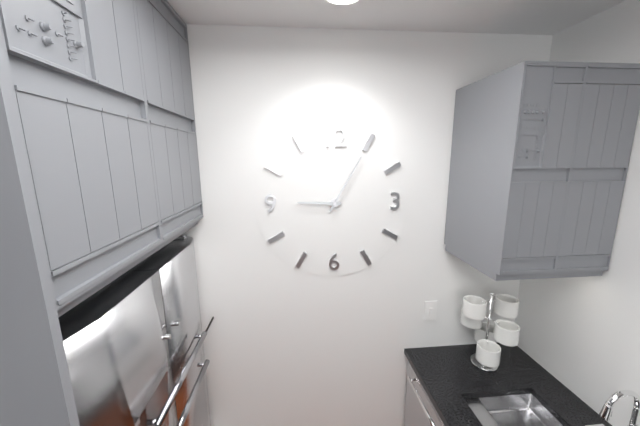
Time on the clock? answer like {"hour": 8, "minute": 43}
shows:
{"hour": 9, "minute": 5}
